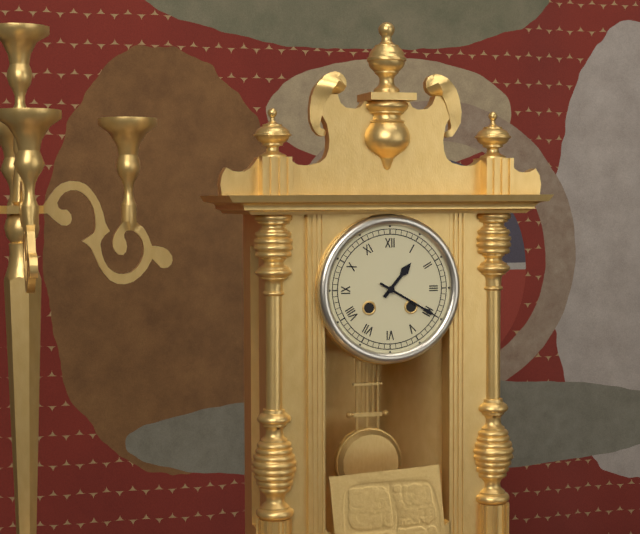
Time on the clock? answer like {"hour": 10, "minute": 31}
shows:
{"hour": 1, "minute": 20}
